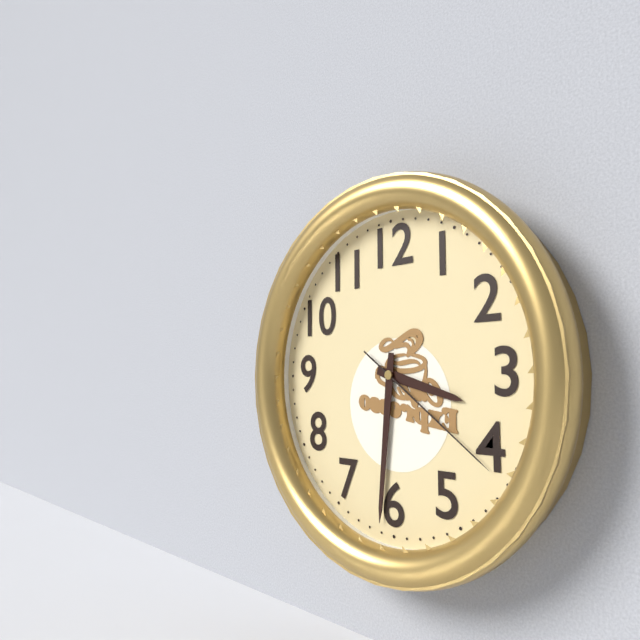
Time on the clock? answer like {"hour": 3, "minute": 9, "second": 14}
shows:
{"hour": 3, "minute": 31, "second": 21}
